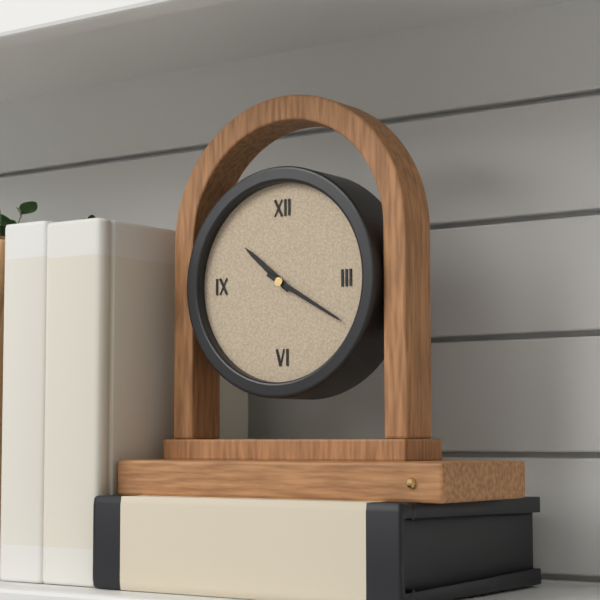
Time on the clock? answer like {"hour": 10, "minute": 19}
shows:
{"hour": 10, "minute": 20}
